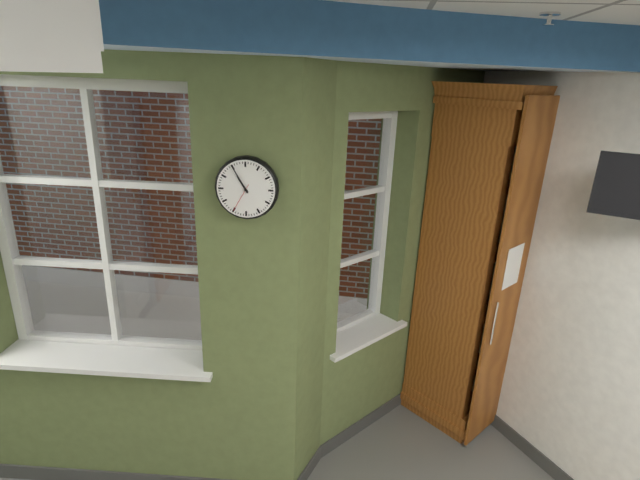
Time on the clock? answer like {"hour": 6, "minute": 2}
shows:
{"hour": 10, "minute": 55}
